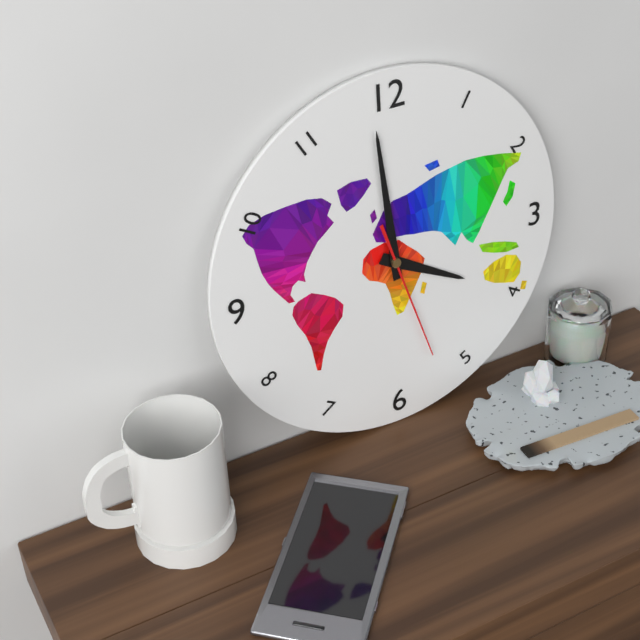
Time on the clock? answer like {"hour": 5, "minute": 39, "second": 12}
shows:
{"hour": 3, "minute": 59, "second": 27}
